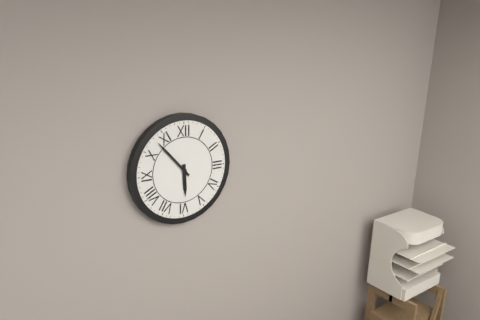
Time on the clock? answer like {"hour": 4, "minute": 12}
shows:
{"hour": 5, "minute": 53}
